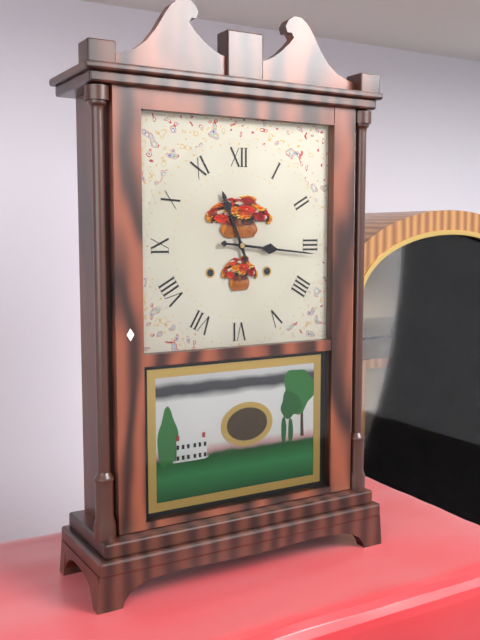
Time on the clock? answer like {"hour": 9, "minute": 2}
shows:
{"hour": 11, "minute": 16}
